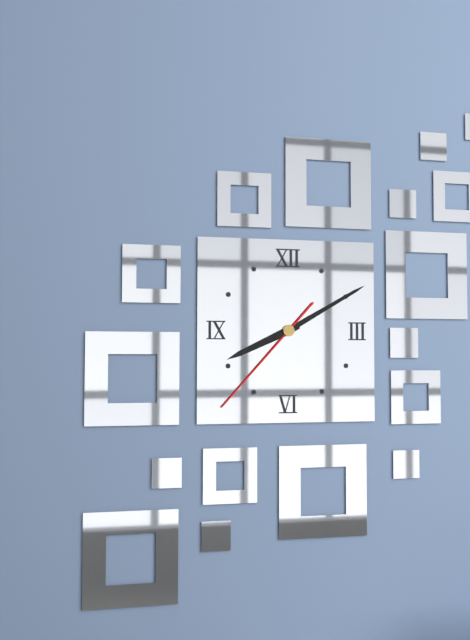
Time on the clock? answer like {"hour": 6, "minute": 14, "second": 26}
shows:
{"hour": 8, "minute": 10, "second": 37}
